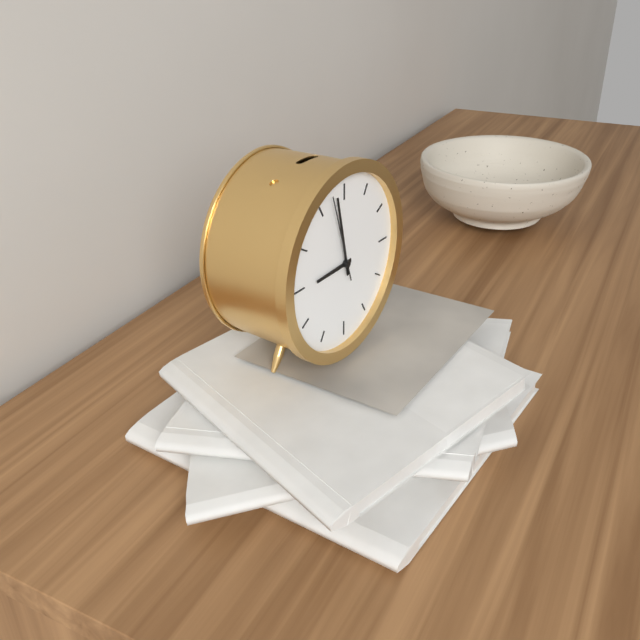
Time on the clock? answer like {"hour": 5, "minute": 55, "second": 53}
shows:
{"hour": 8, "minute": 58, "second": 57}
